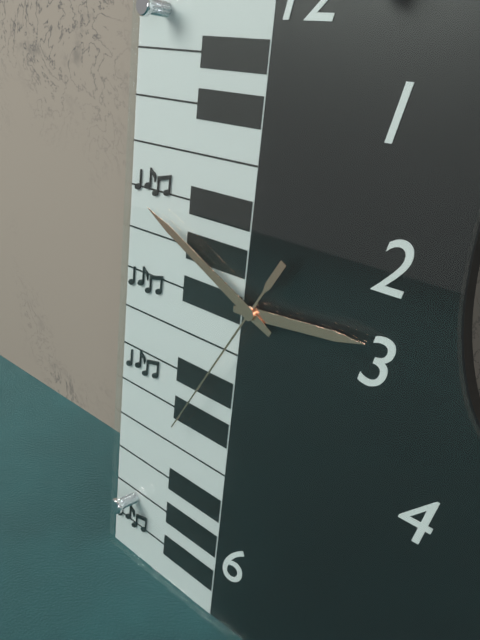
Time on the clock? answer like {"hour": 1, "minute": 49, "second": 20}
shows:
{"hour": 2, "minute": 49, "second": 35}
